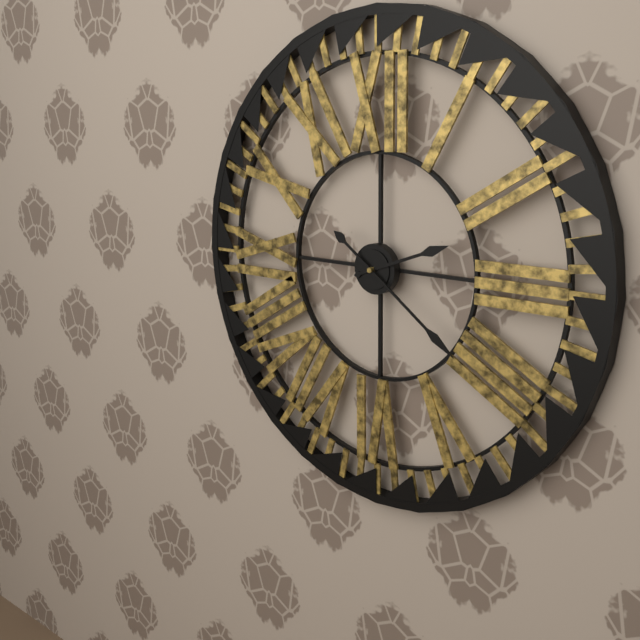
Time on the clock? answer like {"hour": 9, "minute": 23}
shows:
{"hour": 2, "minute": 21}
